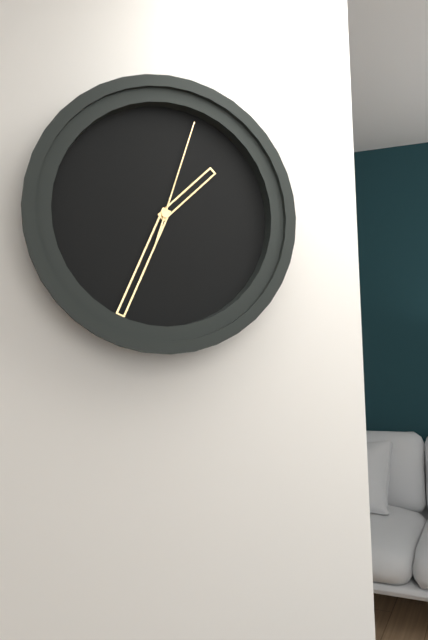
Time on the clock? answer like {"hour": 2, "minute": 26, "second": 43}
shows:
{"hour": 1, "minute": 34, "second": 3}
